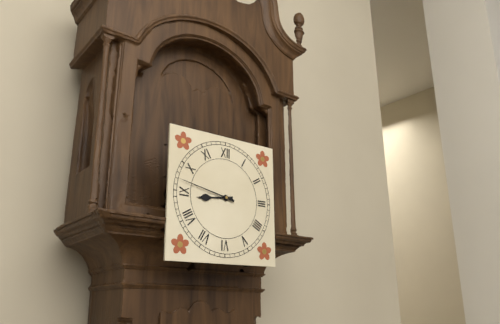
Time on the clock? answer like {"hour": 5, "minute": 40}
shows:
{"hour": 8, "minute": 47}
